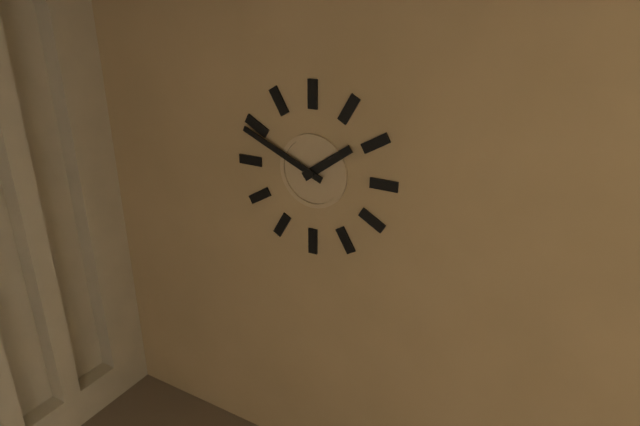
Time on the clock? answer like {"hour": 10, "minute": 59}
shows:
{"hour": 1, "minute": 49}
